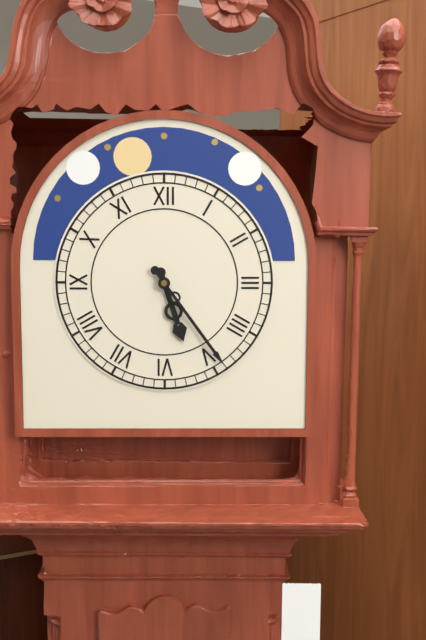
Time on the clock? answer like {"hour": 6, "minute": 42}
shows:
{"hour": 5, "minute": 24}
